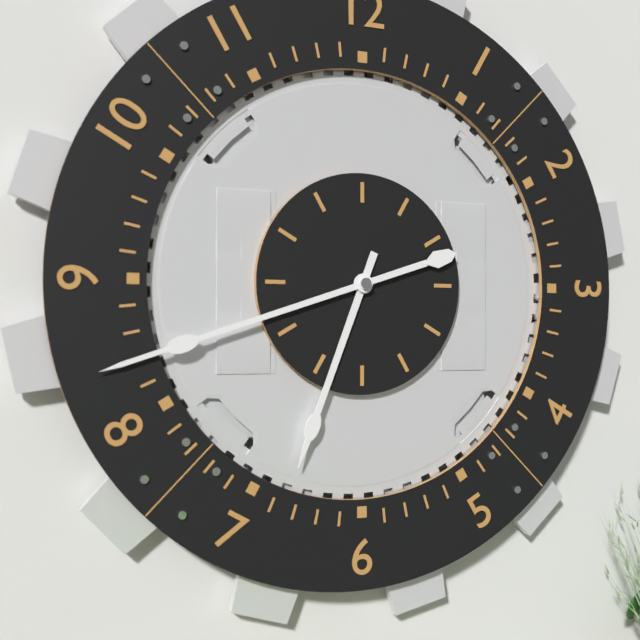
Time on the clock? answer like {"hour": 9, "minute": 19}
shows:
{"hour": 6, "minute": 42}
